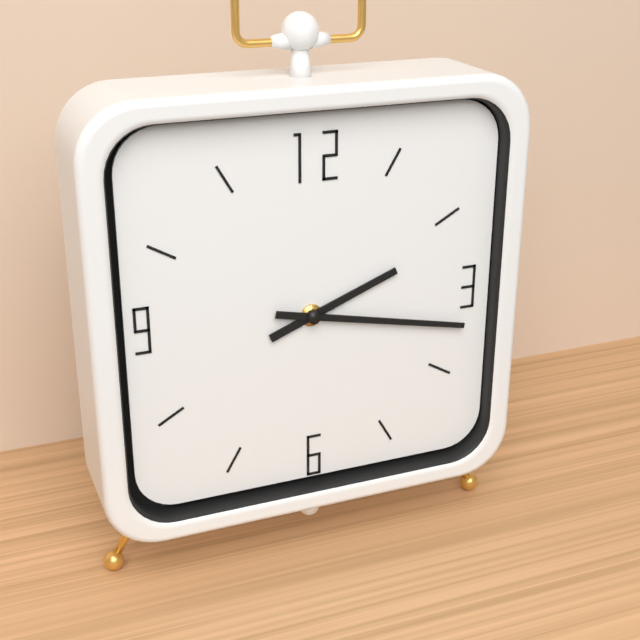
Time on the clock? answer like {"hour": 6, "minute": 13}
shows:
{"hour": 2, "minute": 17}
